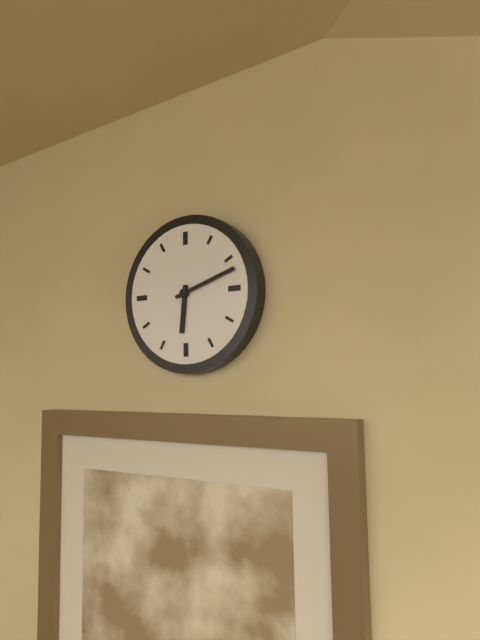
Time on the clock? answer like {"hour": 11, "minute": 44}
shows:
{"hour": 6, "minute": 12}
